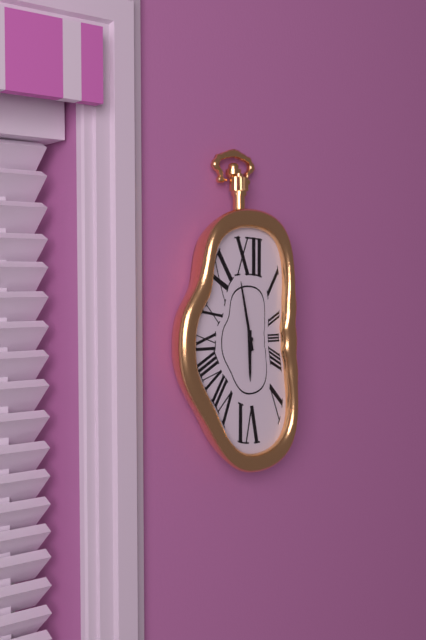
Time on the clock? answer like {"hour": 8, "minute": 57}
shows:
{"hour": 5, "minute": 58}
